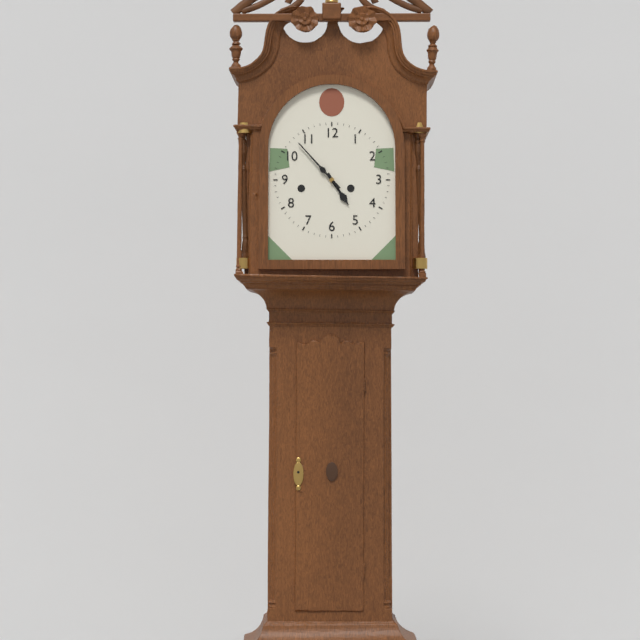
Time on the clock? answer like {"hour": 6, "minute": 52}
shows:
{"hour": 4, "minute": 53}
